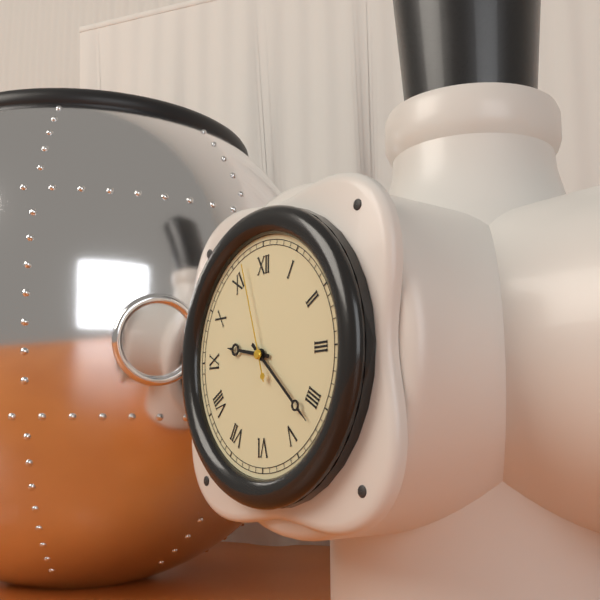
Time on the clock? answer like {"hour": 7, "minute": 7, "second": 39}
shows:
{"hour": 9, "minute": 22, "second": 57}
